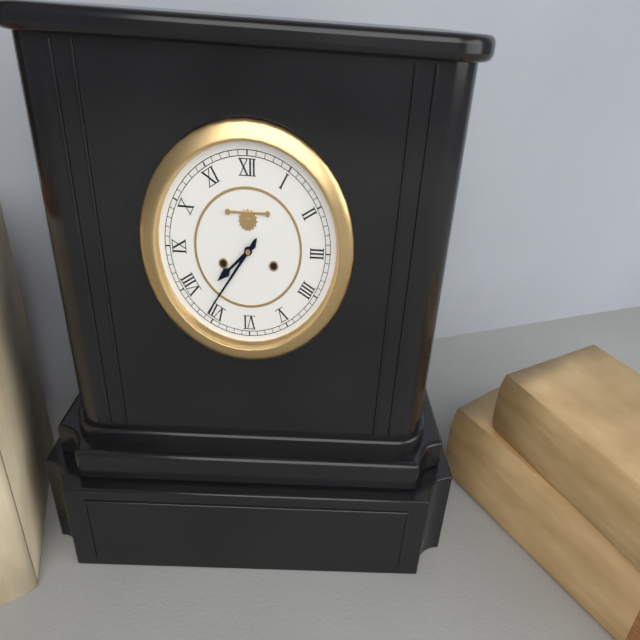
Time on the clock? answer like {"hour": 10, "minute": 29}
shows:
{"hour": 7, "minute": 36}
